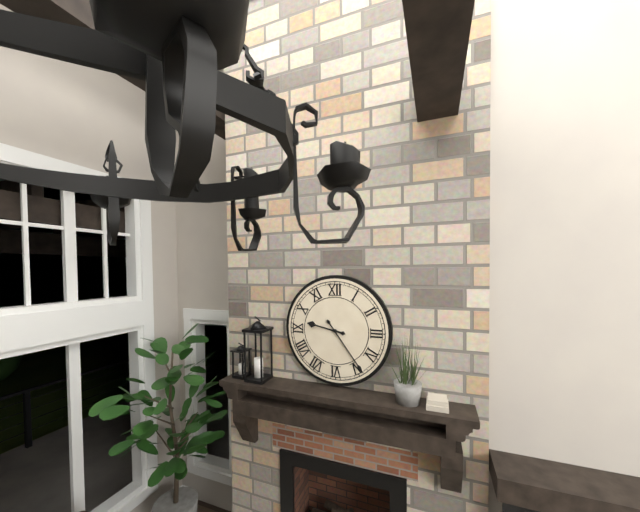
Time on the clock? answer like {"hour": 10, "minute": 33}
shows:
{"hour": 9, "minute": 24}
